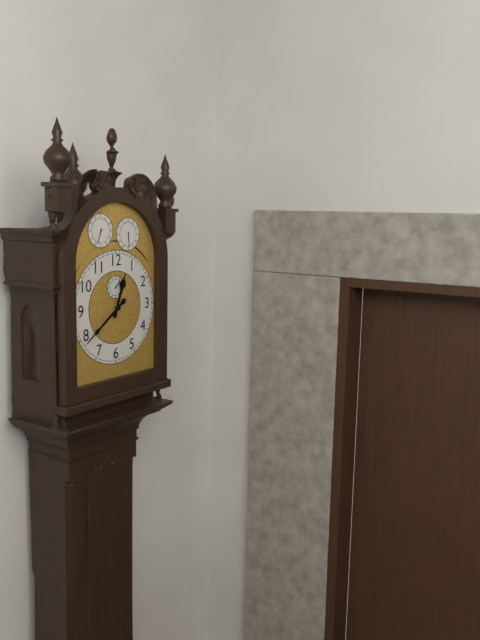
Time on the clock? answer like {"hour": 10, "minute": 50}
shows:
{"hour": 12, "minute": 39}
